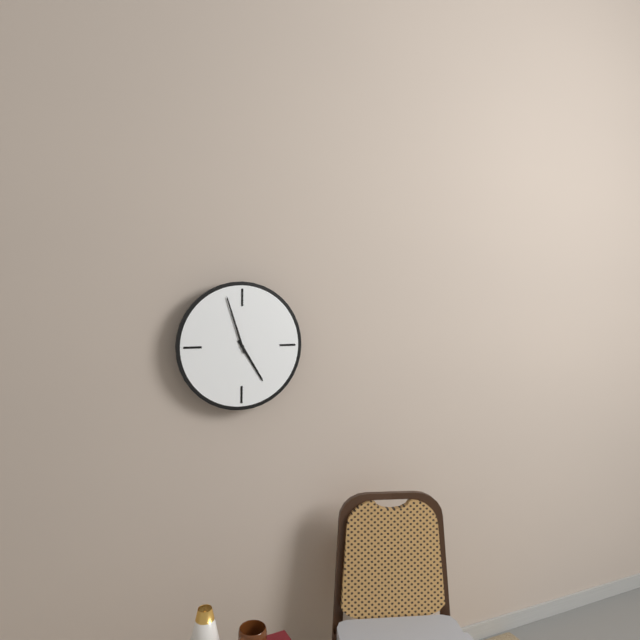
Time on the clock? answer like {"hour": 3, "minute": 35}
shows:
{"hour": 4, "minute": 57}
